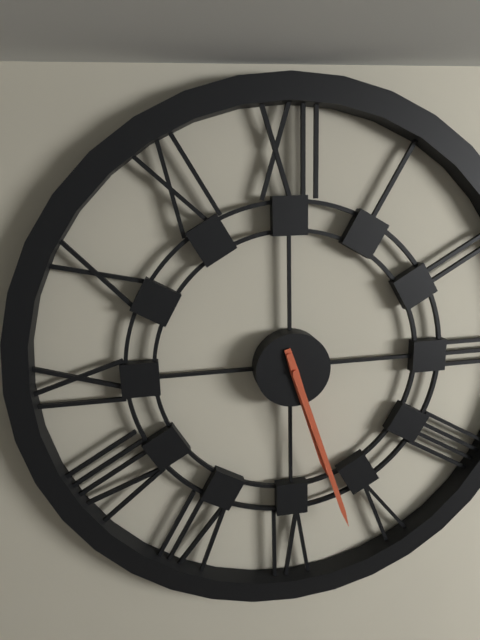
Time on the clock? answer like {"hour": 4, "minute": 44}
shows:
{"hour": 5, "minute": 27}
